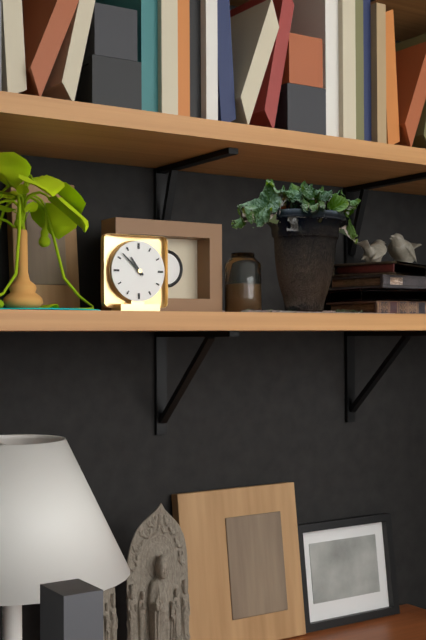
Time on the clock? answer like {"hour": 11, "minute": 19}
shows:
{"hour": 10, "minute": 52}
